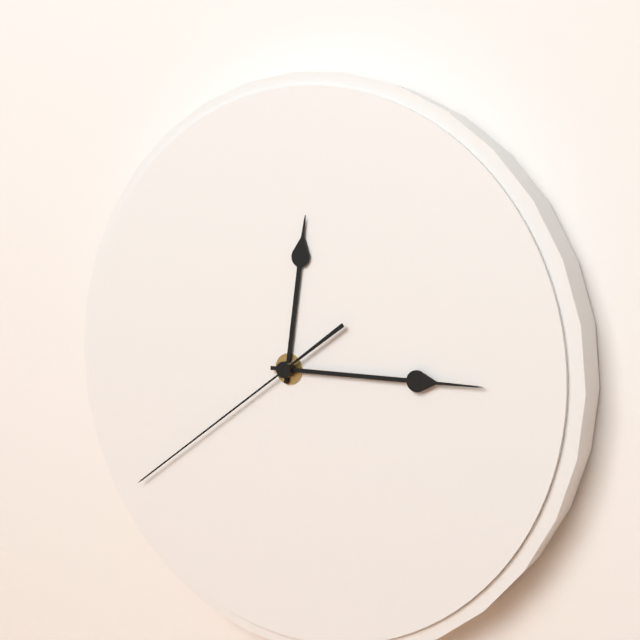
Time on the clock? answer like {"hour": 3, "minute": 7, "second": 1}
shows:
{"hour": 12, "minute": 15, "second": 39}
